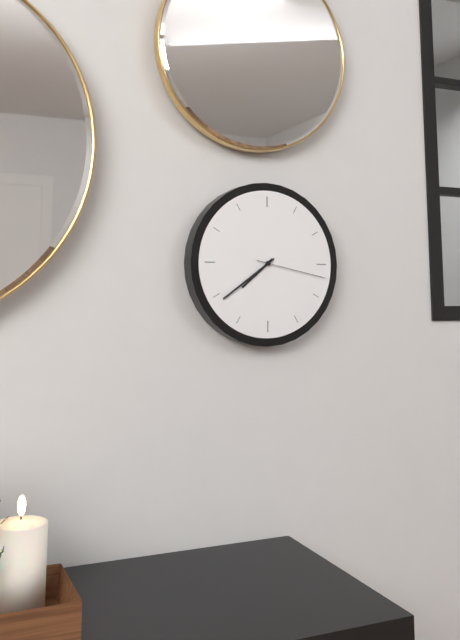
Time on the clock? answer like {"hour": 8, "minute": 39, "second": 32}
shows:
{"hour": 7, "minute": 39, "second": 17}
